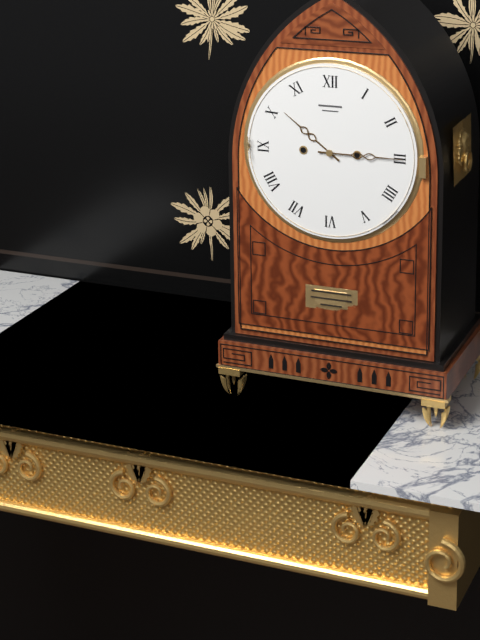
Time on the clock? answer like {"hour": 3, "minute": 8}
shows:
{"hour": 10, "minute": 15}
